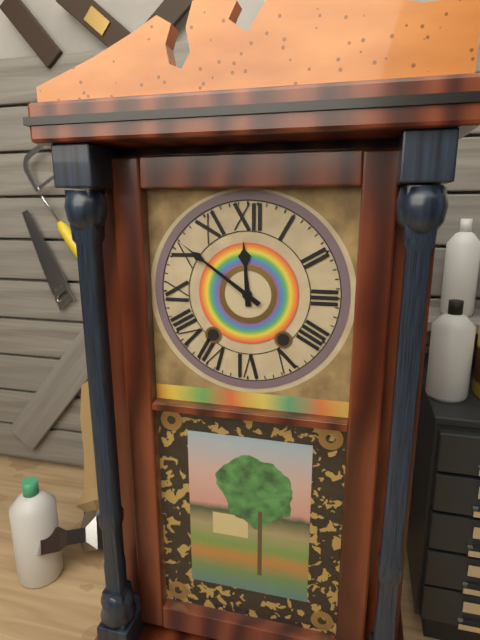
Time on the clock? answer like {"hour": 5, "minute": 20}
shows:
{"hour": 11, "minute": 51}
